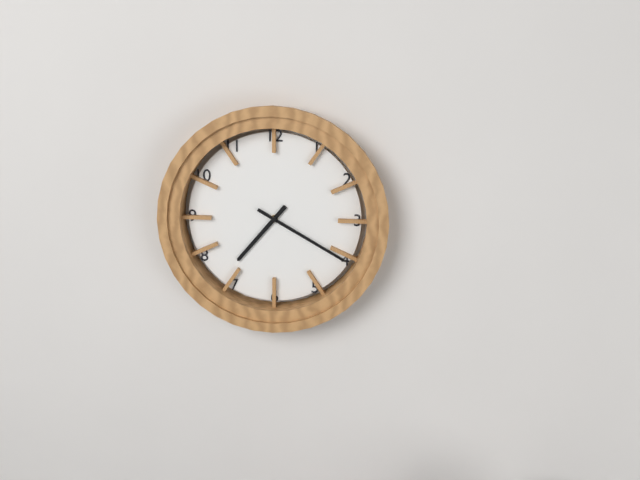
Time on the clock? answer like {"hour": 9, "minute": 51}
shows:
{"hour": 7, "minute": 20}
